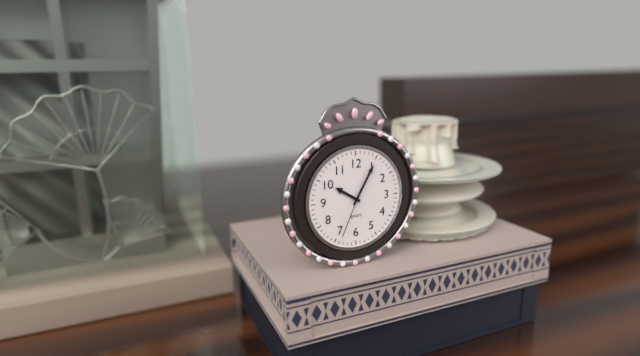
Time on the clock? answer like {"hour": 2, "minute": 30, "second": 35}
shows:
{"hour": 10, "minute": 5, "second": 34}
